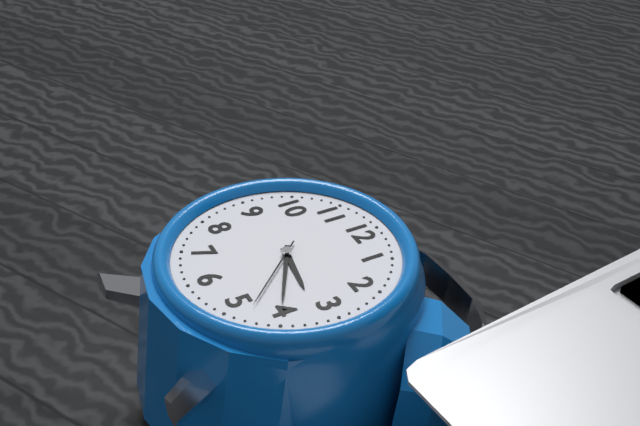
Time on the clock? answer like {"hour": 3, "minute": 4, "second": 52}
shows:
{"hour": 3, "minute": 20, "second": 23}
